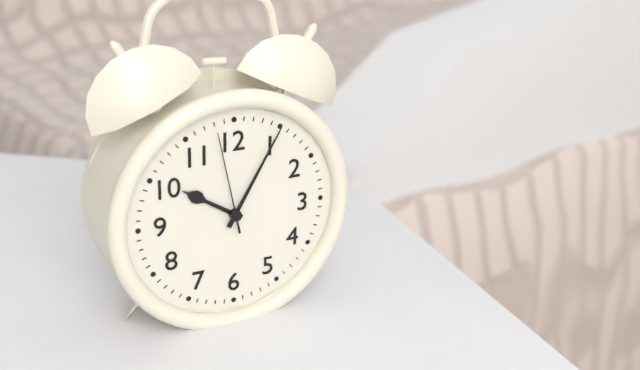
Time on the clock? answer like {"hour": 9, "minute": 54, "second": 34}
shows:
{"hour": 10, "minute": 5, "second": 58}
